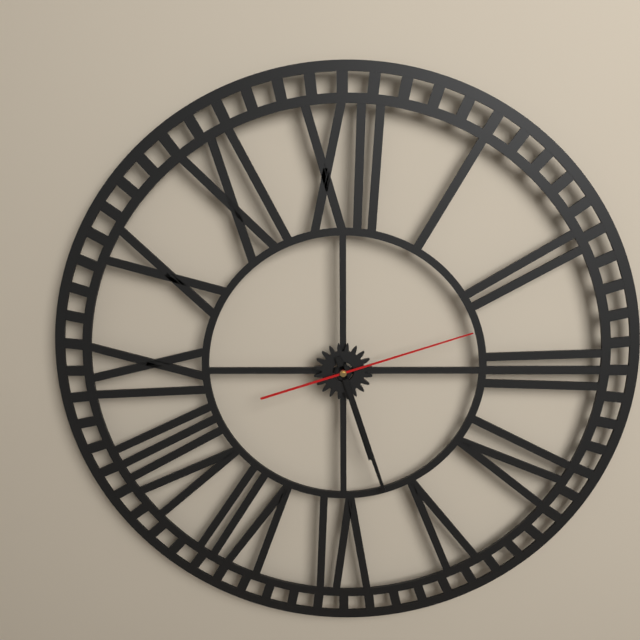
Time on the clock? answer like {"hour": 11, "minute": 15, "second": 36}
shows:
{"hour": 5, "minute": 27, "second": 12}
